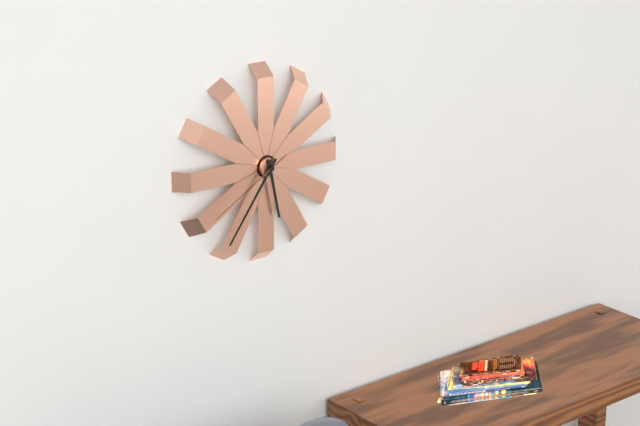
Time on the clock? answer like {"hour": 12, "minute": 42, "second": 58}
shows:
{"hour": 5, "minute": 36, "second": 40}
